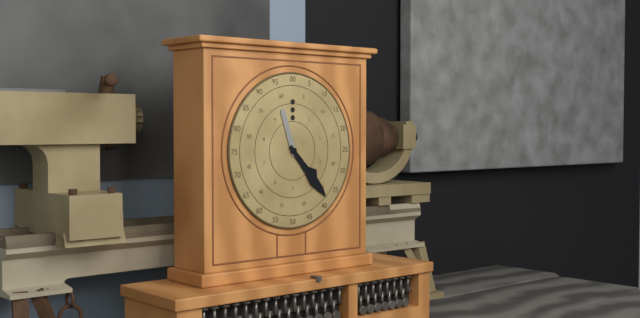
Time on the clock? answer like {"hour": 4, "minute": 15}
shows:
{"hour": 11, "minute": 23}
